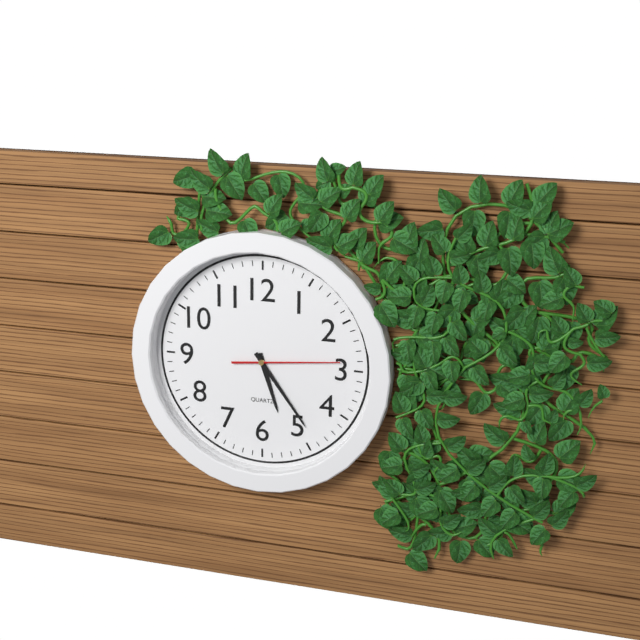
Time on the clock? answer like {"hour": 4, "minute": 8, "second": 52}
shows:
{"hour": 5, "minute": 24, "second": 14}
